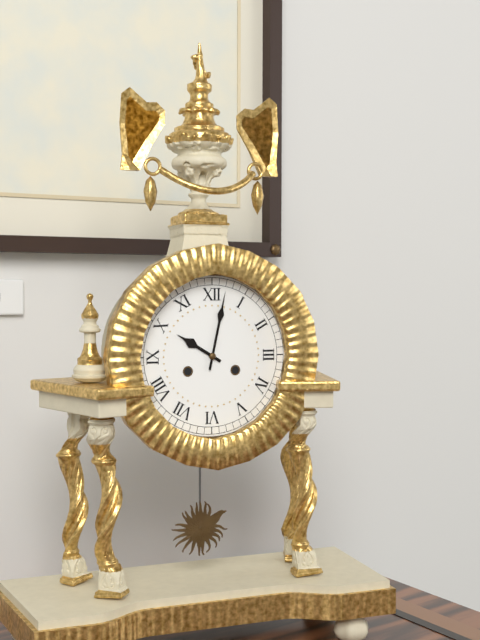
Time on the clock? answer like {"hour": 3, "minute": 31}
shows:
{"hour": 10, "minute": 2}
